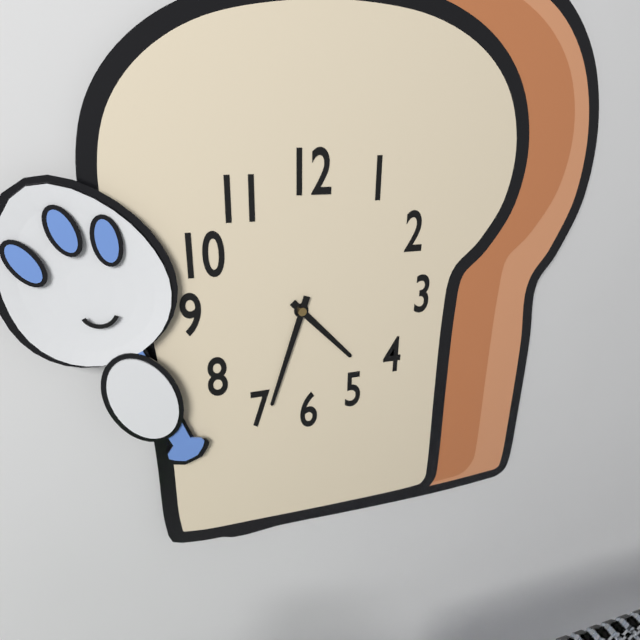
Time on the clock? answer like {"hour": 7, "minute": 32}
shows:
{"hour": 4, "minute": 33}
